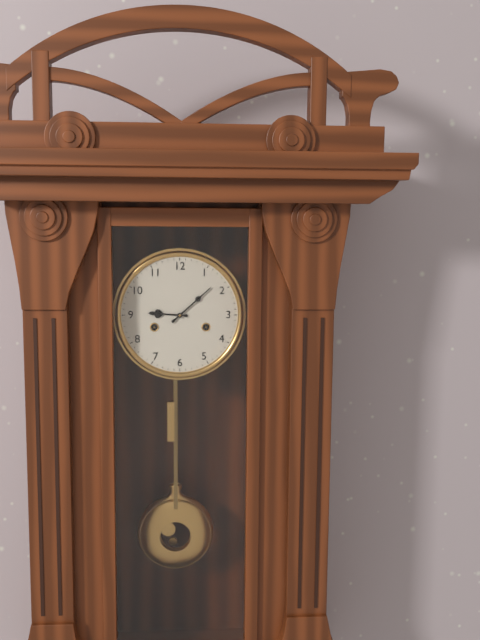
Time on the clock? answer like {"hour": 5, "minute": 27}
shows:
{"hour": 9, "minute": 8}
